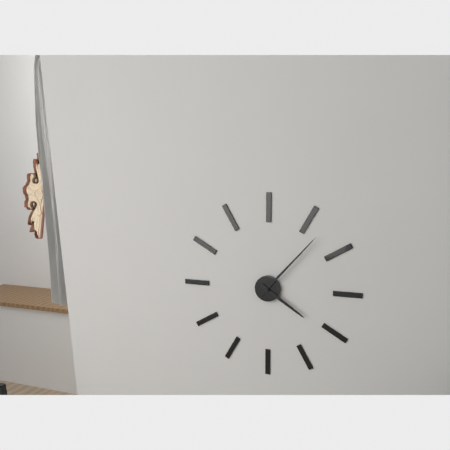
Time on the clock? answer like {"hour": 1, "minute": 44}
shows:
{"hour": 4, "minute": 7}
